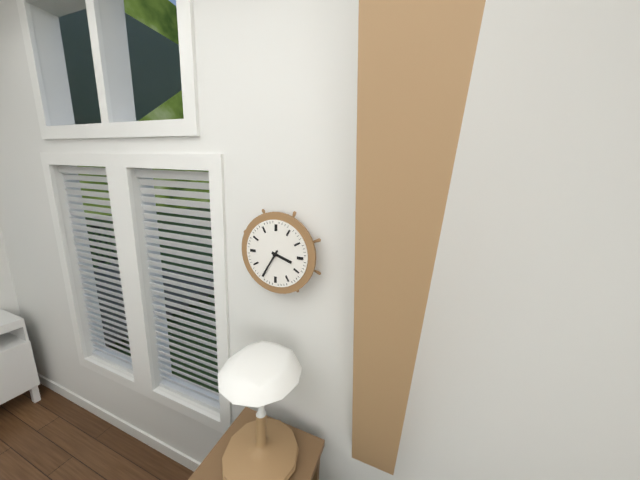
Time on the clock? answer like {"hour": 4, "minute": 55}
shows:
{"hour": 3, "minute": 35}
